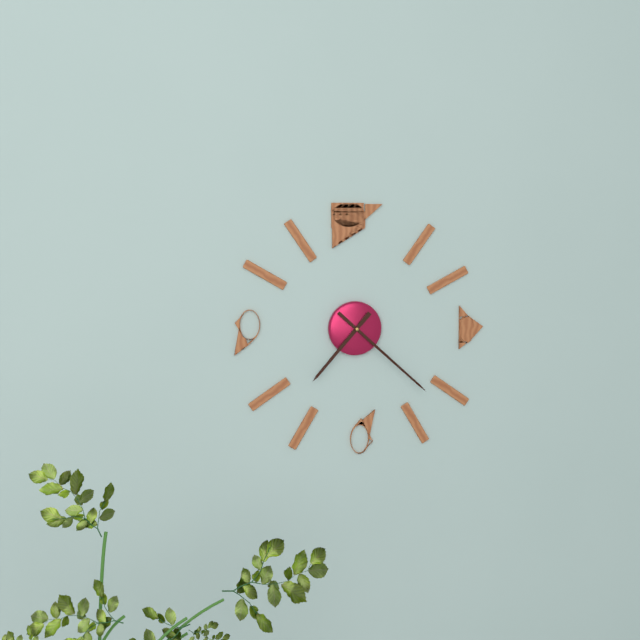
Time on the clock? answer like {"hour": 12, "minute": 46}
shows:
{"hour": 7, "minute": 22}
